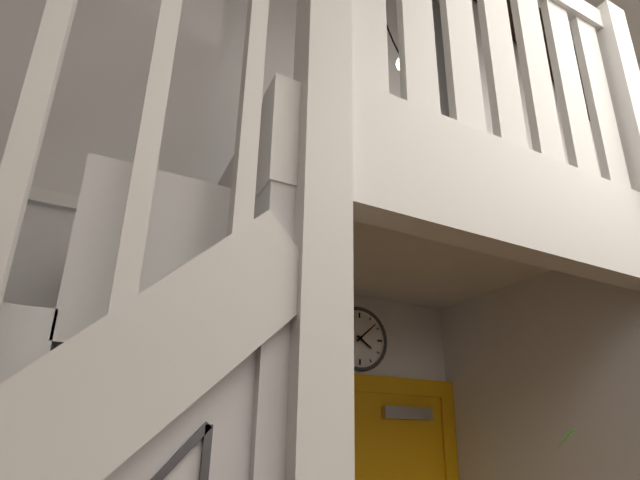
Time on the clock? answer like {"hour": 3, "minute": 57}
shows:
{"hour": 4, "minute": 8}
